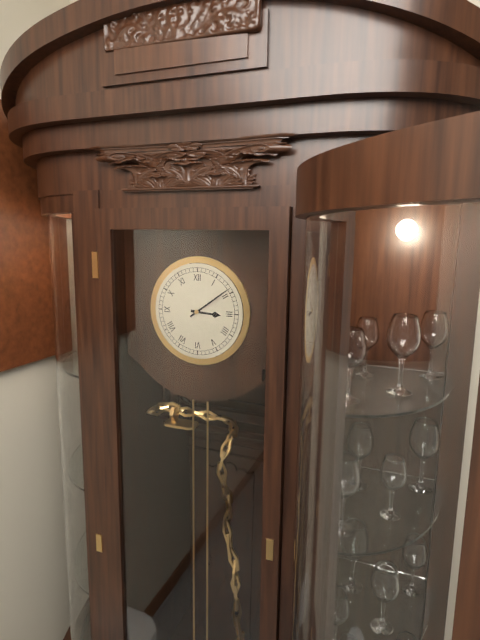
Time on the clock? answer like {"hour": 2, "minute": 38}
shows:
{"hour": 3, "minute": 9}
